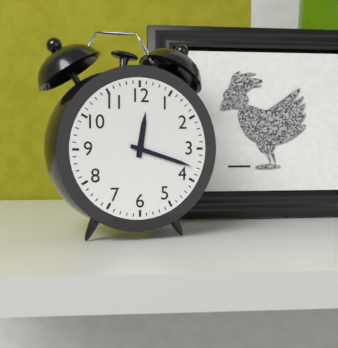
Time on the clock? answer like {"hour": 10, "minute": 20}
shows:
{"hour": 12, "minute": 18}
